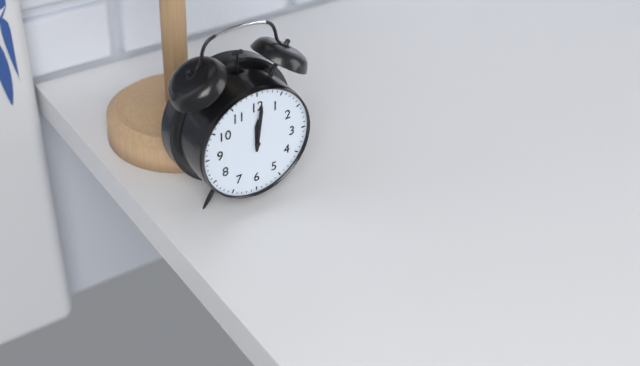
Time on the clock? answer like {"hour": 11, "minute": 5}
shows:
{"hour": 12, "minute": 1}
